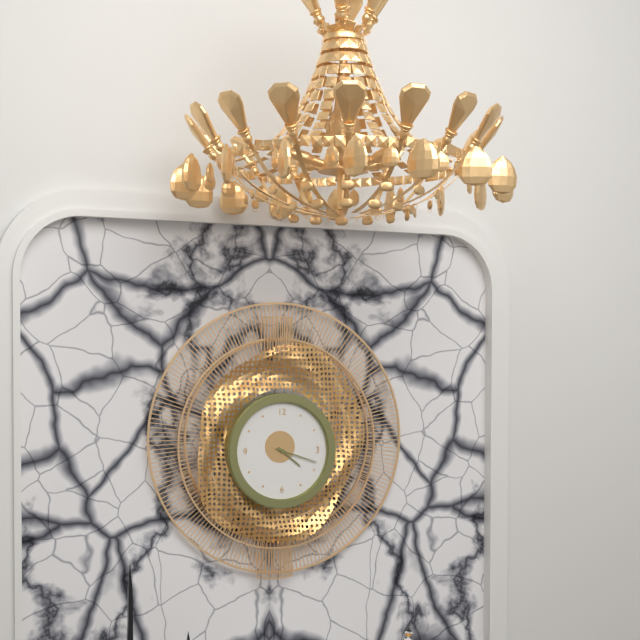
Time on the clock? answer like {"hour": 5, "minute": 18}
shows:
{"hour": 4, "minute": 18}
